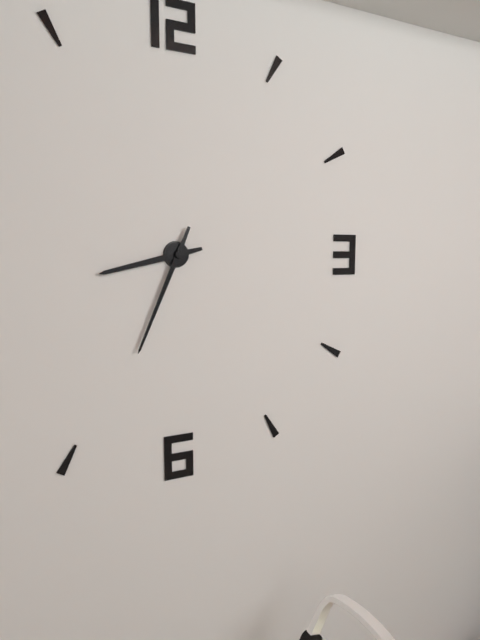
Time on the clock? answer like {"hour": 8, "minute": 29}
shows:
{"hour": 8, "minute": 34}
